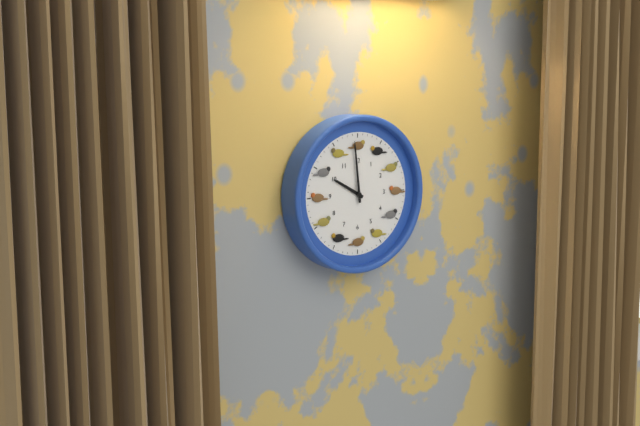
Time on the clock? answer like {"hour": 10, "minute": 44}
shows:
{"hour": 9, "minute": 59}
